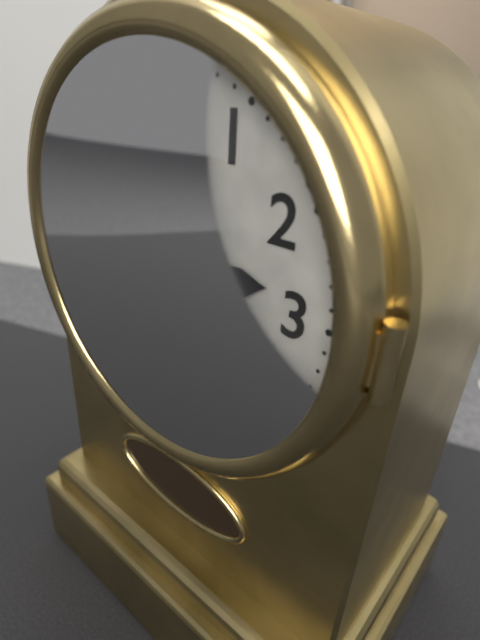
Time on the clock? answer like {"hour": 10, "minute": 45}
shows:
{"hour": 2, "minute": 42}
